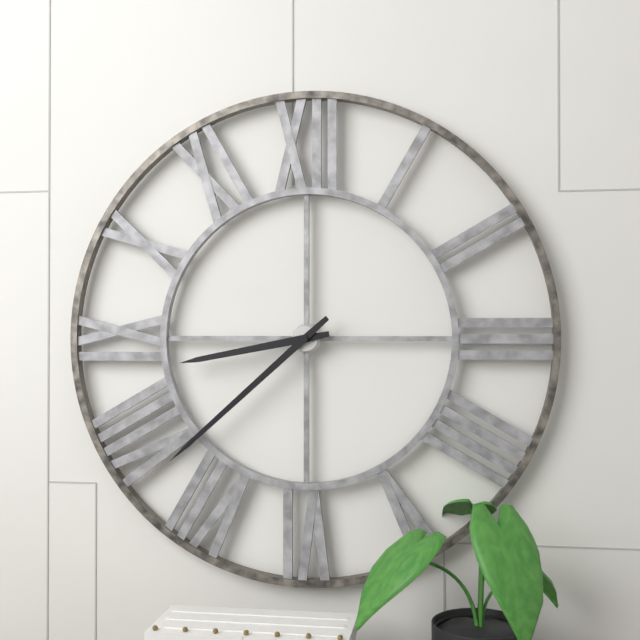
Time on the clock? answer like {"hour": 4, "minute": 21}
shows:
{"hour": 8, "minute": 38}
